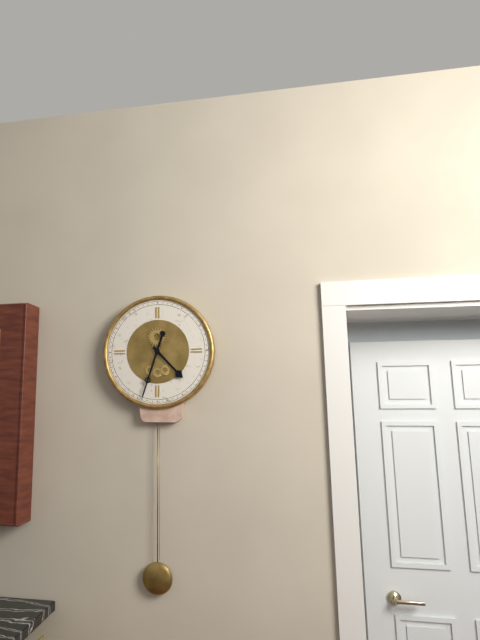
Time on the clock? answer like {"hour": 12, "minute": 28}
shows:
{"hour": 4, "minute": 33}
